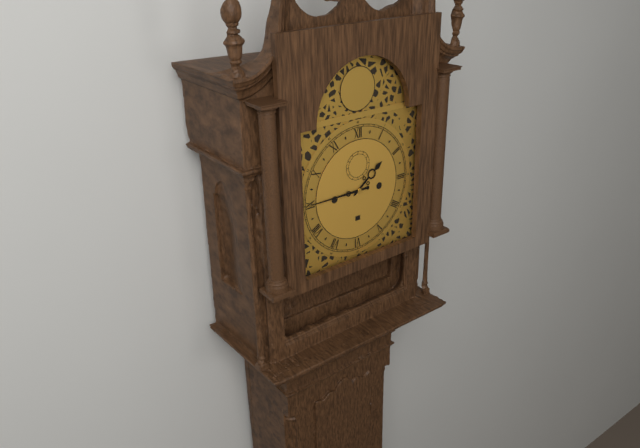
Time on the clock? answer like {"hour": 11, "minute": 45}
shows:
{"hour": 1, "minute": 45}
